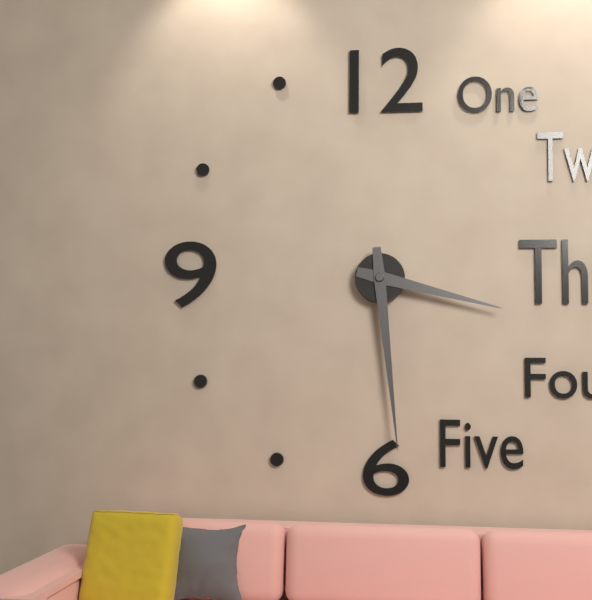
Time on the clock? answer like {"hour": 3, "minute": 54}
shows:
{"hour": 3, "minute": 29}
